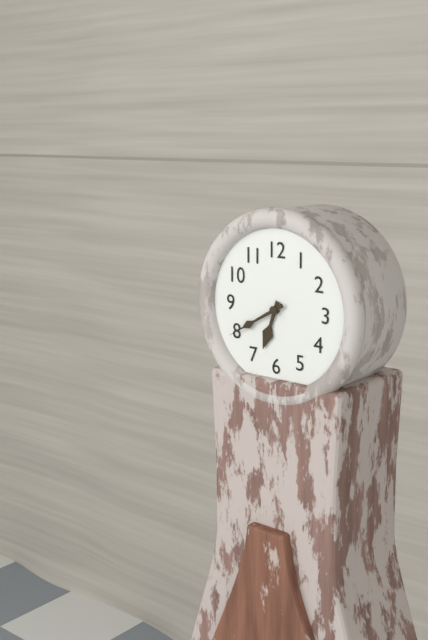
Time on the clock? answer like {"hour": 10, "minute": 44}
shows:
{"hour": 6, "minute": 40}
